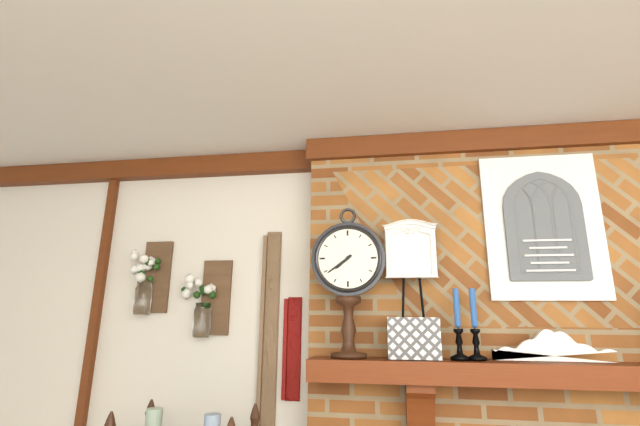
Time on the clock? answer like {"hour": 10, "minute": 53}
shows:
{"hour": 7, "minute": 39}
